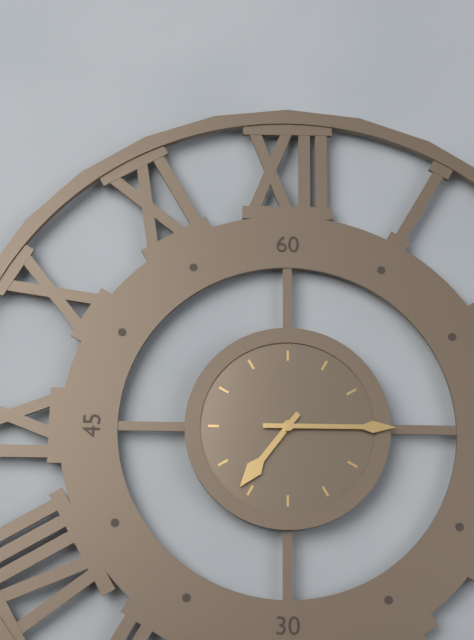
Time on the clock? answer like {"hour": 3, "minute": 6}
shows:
{"hour": 7, "minute": 15}
